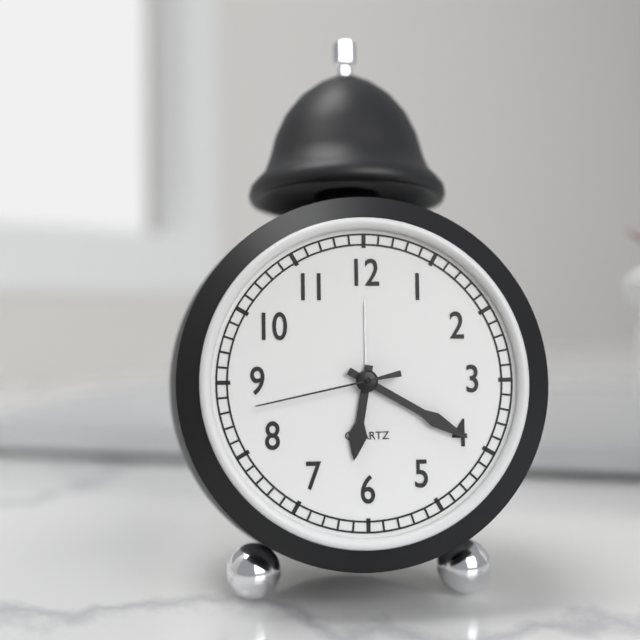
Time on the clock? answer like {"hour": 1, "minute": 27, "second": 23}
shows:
{"hour": 6, "minute": 20, "second": 43}
